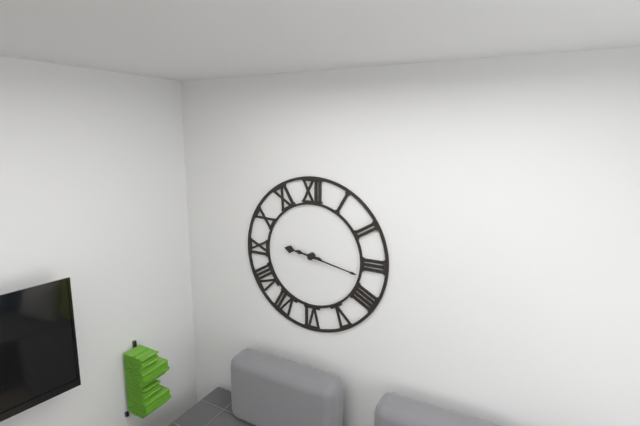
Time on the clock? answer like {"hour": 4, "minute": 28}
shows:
{"hour": 9, "minute": 17}
